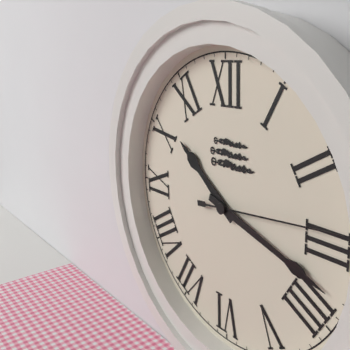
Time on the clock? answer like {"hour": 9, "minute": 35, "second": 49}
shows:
{"hour": 10, "minute": 18, "second": 14}
